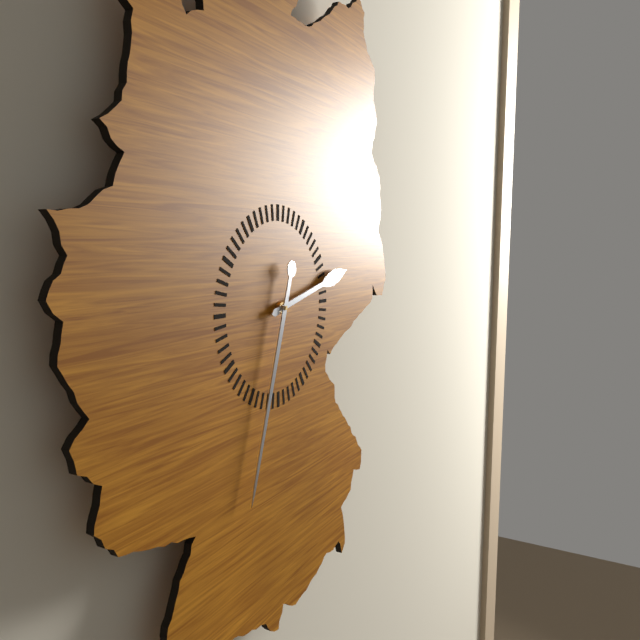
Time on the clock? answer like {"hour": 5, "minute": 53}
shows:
{"hour": 2, "minute": 33}
